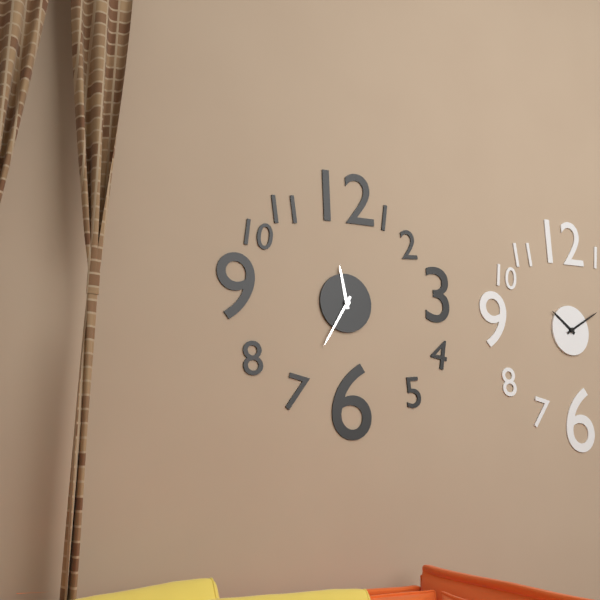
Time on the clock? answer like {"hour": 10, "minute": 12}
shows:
{"hour": 11, "minute": 35}
